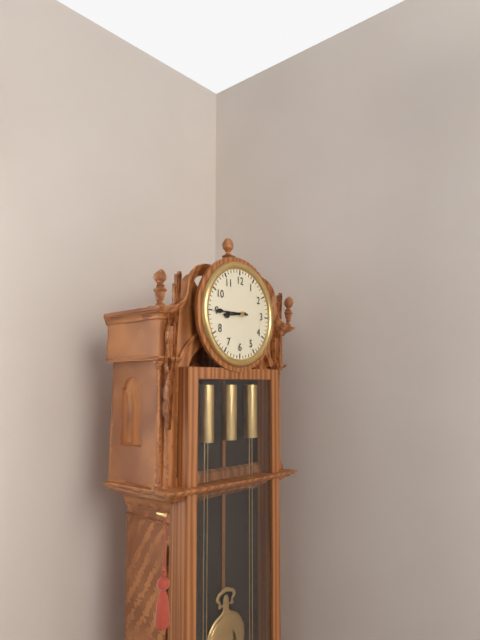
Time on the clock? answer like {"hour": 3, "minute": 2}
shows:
{"hour": 8, "minute": 45}
